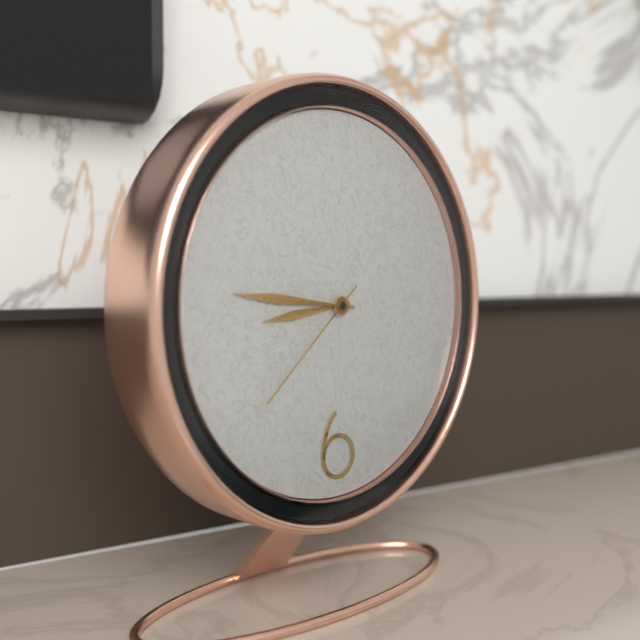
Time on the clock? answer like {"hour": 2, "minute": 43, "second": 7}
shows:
{"hour": 8, "minute": 46, "second": 38}
